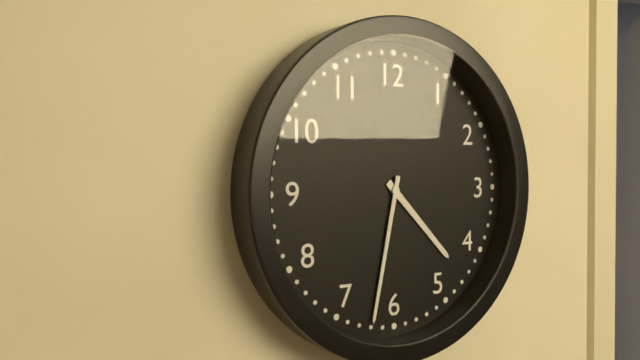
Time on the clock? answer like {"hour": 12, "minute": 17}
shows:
{"hour": 4, "minute": 32}
